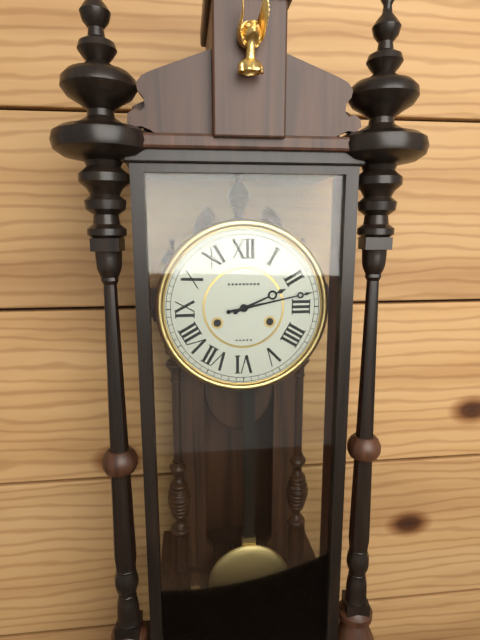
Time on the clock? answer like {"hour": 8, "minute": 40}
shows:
{"hour": 2, "minute": 13}
